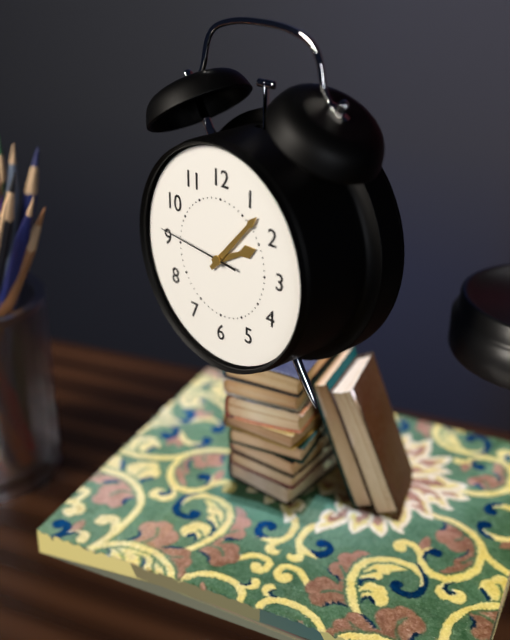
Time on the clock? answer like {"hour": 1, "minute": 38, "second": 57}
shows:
{"hour": 2, "minute": 7, "second": 46}
